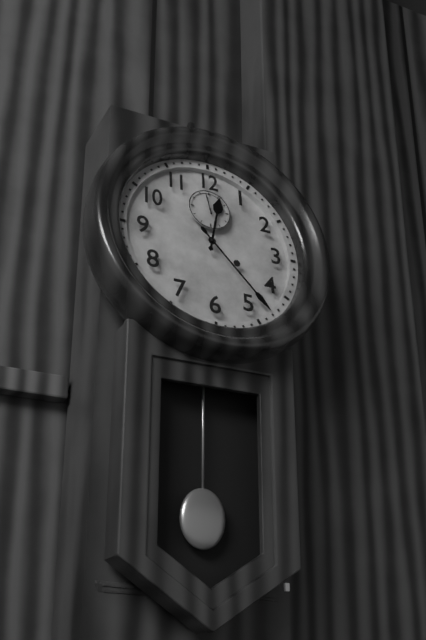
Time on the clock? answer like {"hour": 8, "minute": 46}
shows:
{"hour": 12, "minute": 23}
